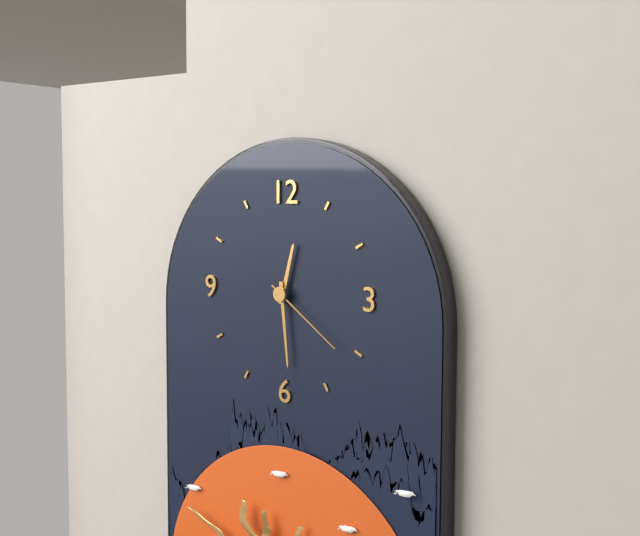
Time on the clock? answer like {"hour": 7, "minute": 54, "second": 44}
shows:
{"hour": 12, "minute": 29, "second": 21}
